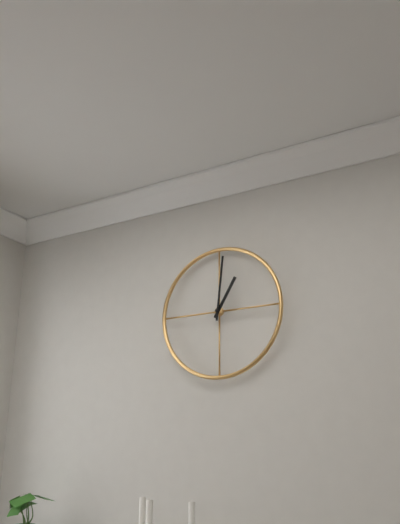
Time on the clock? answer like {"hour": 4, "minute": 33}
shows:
{"hour": 1, "minute": 1}
